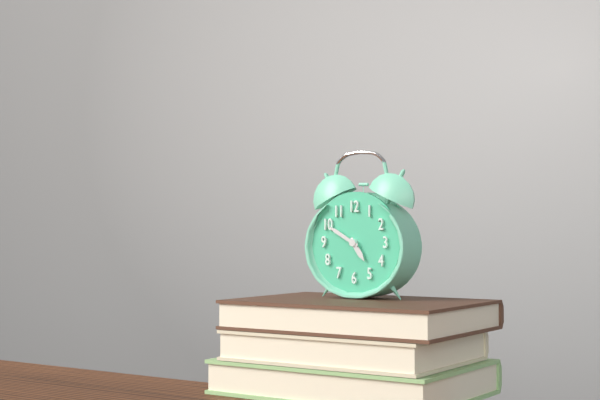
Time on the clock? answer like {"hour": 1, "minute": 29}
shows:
{"hour": 4, "minute": 50}
